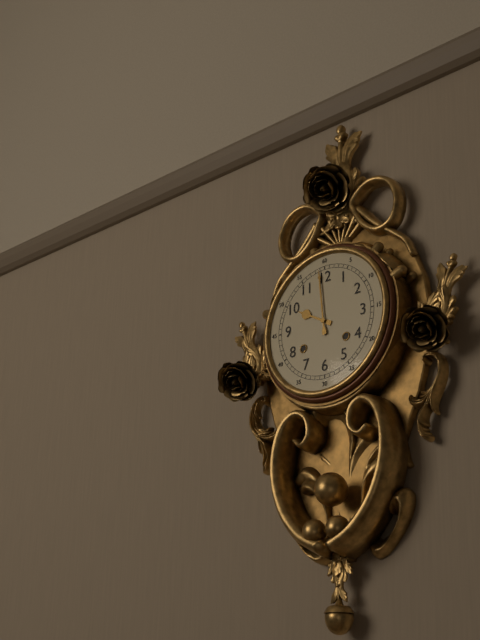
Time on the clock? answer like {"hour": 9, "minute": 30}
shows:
{"hour": 9, "minute": 59}
